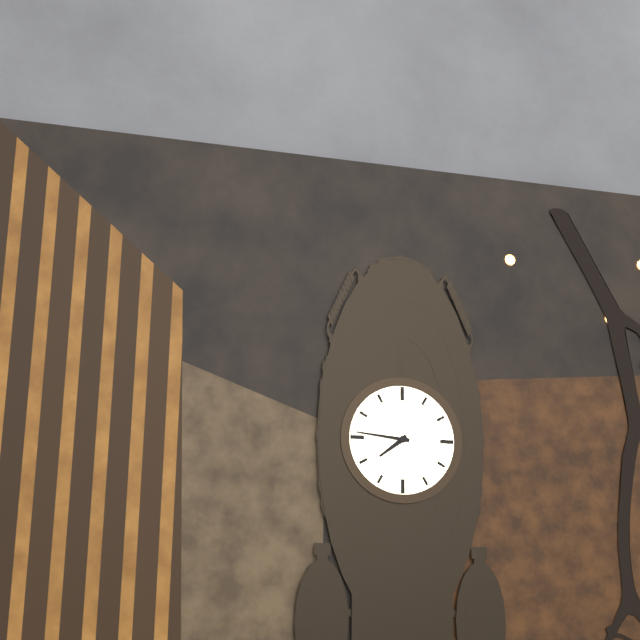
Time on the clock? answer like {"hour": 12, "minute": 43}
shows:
{"hour": 7, "minute": 46}
